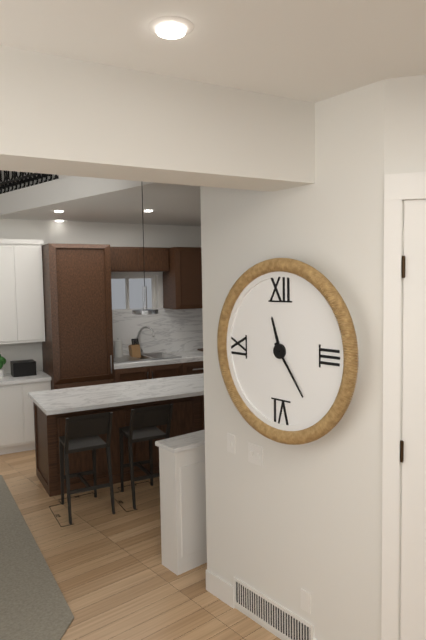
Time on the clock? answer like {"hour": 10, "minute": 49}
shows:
{"hour": 11, "minute": 24}
